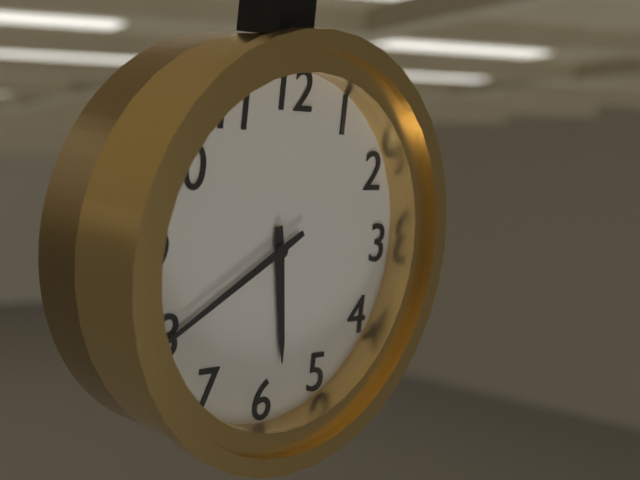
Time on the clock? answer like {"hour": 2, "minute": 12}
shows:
{"hour": 5, "minute": 40}
